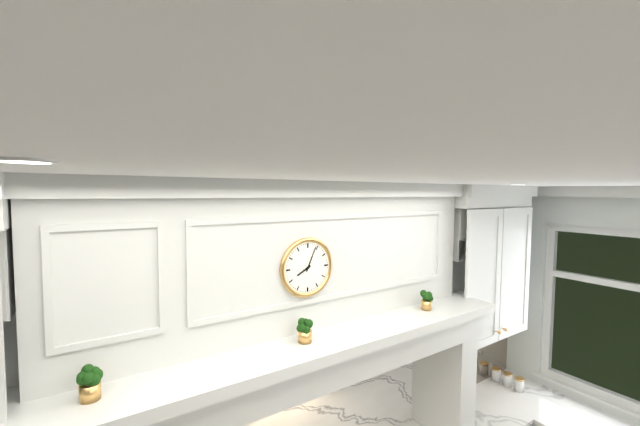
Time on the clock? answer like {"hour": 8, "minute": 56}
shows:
{"hour": 8, "minute": 4}
